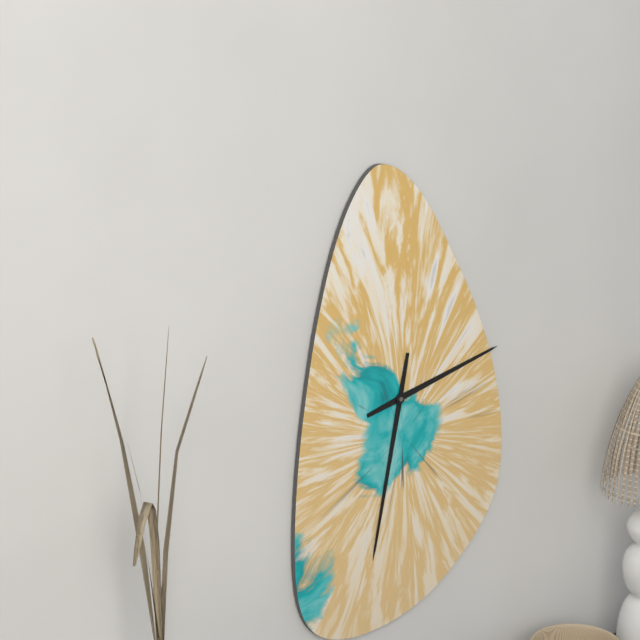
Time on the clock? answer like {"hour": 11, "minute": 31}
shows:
{"hour": 2, "minute": 32}
